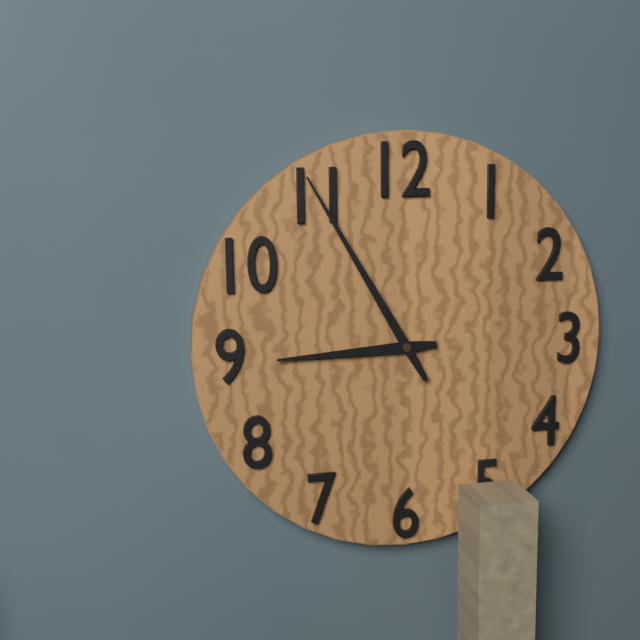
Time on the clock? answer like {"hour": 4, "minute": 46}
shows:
{"hour": 8, "minute": 55}
